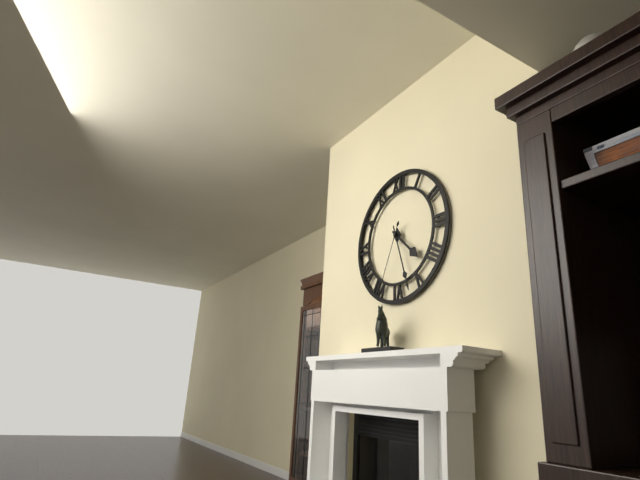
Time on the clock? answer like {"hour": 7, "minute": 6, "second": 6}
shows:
{"hour": 4, "minute": 27, "second": 34}
